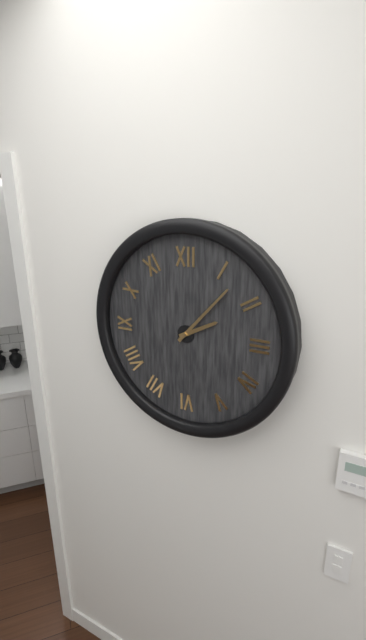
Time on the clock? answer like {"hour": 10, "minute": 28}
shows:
{"hour": 2, "minute": 7}
